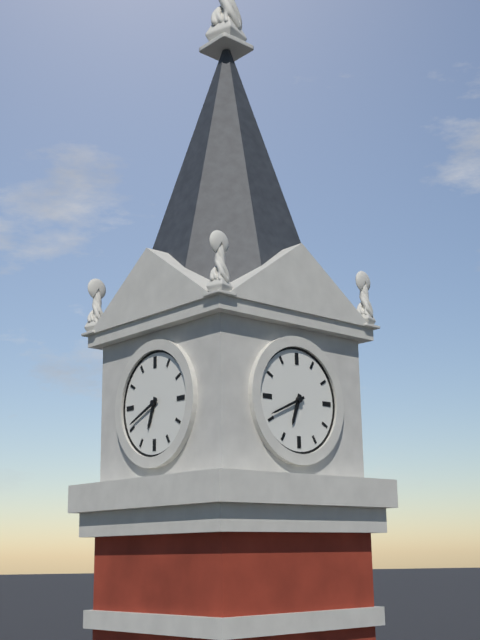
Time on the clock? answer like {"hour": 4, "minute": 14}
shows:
{"hour": 6, "minute": 41}
